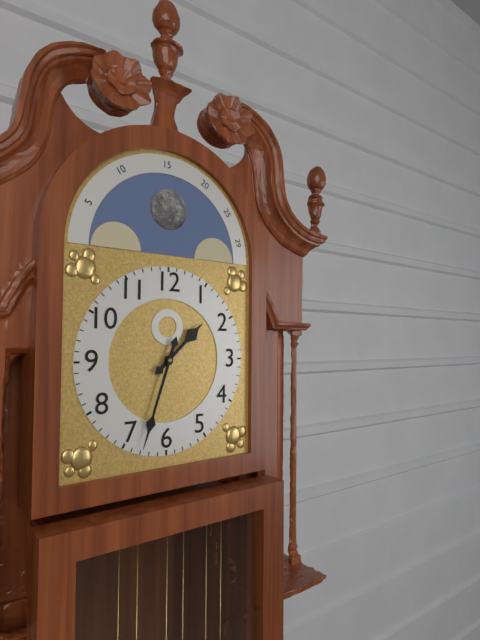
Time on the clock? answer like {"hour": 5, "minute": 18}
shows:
{"hour": 1, "minute": 33}
